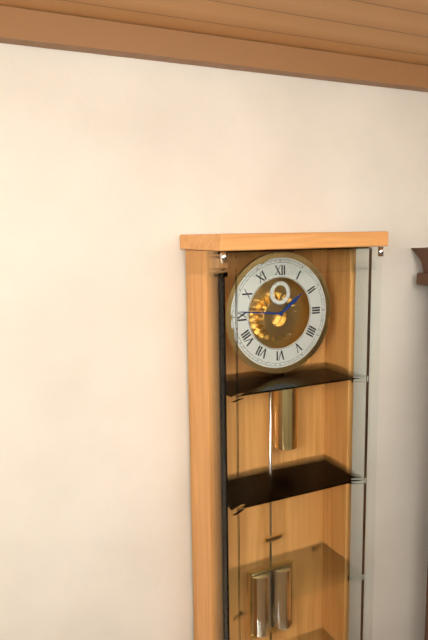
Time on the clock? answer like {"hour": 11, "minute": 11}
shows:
{"hour": 1, "minute": 46}
